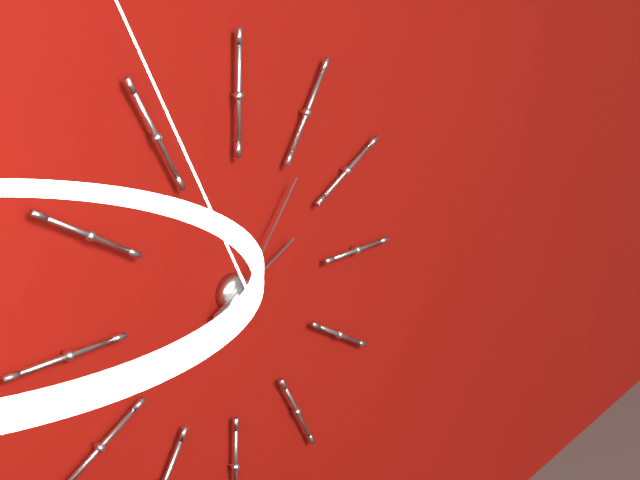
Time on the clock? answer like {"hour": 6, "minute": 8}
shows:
{"hour": 2, "minute": 6}
